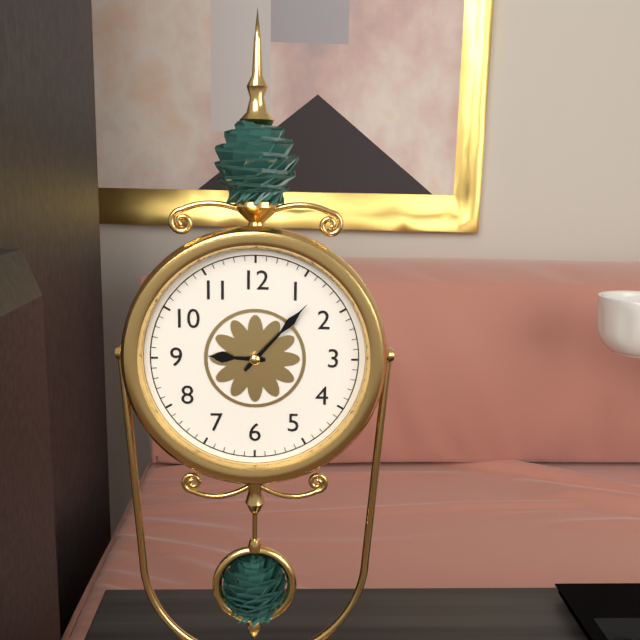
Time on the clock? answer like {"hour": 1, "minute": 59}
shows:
{"hour": 9, "minute": 7}
